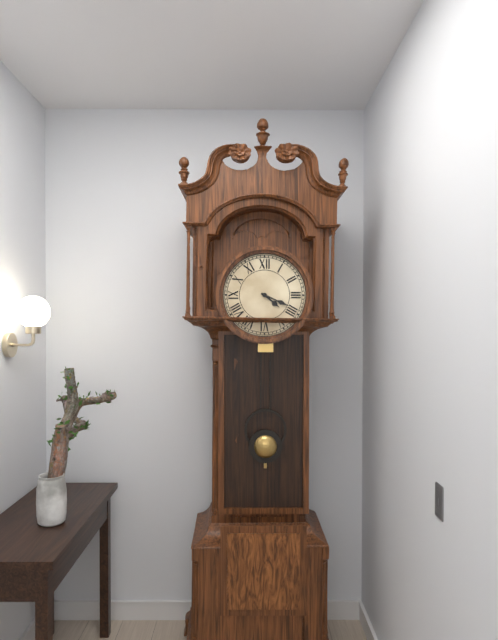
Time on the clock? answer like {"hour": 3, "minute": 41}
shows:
{"hour": 4, "minute": 19}
